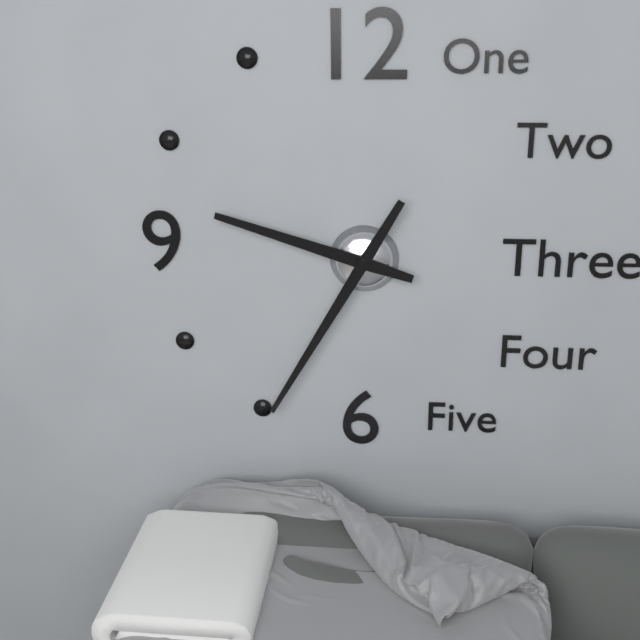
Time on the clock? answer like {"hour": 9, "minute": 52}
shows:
{"hour": 9, "minute": 35}
